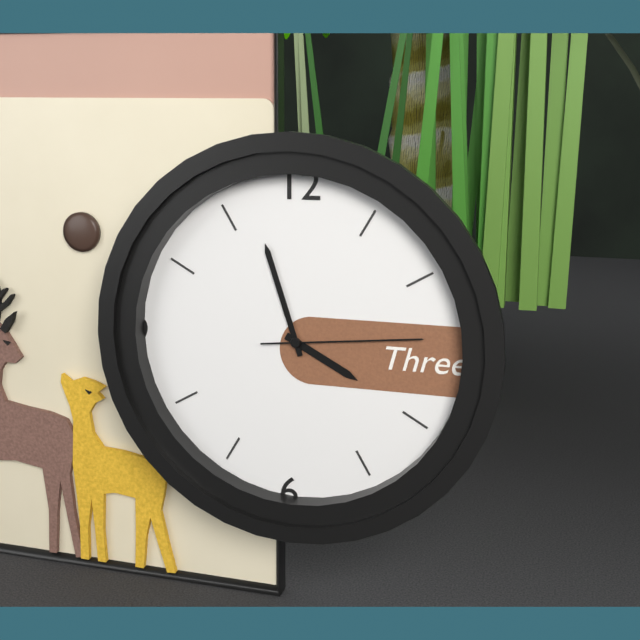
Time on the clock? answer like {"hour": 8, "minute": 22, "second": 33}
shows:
{"hour": 3, "minute": 57, "second": 14}
